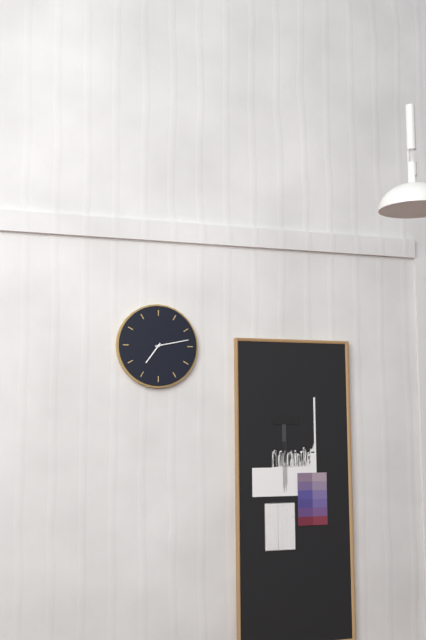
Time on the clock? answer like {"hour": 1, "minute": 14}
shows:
{"hour": 7, "minute": 13}
